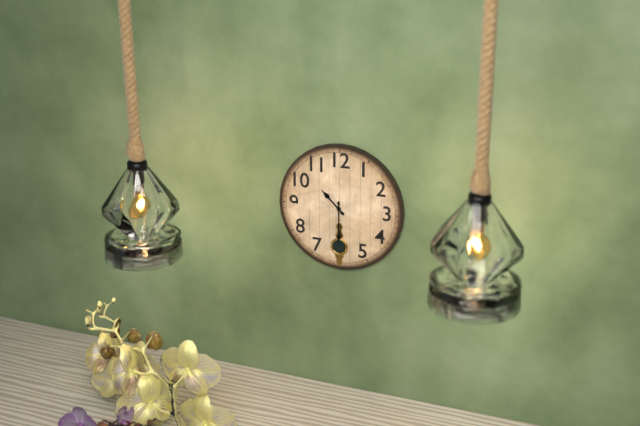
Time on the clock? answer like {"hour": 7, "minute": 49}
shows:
{"hour": 10, "minute": 30}
